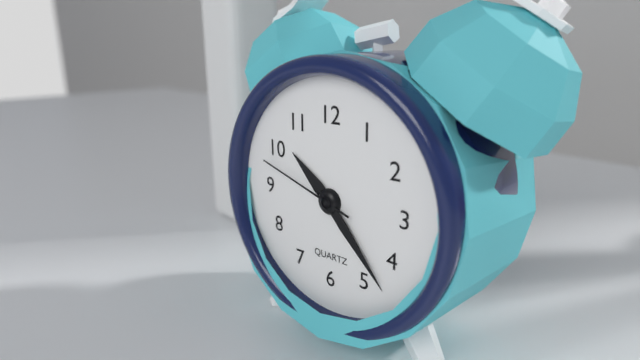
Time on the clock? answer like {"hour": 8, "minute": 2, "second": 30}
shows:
{"hour": 10, "minute": 23, "second": 48}
